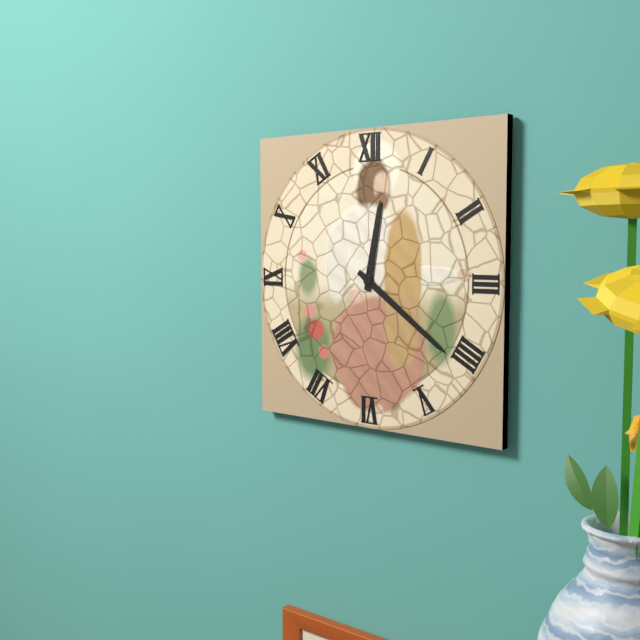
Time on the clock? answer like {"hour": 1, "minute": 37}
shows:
{"hour": 12, "minute": 21}
